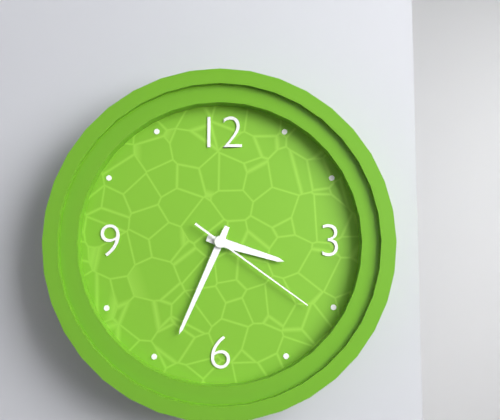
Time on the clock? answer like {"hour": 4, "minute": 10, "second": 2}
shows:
{"hour": 3, "minute": 34, "second": 21}
